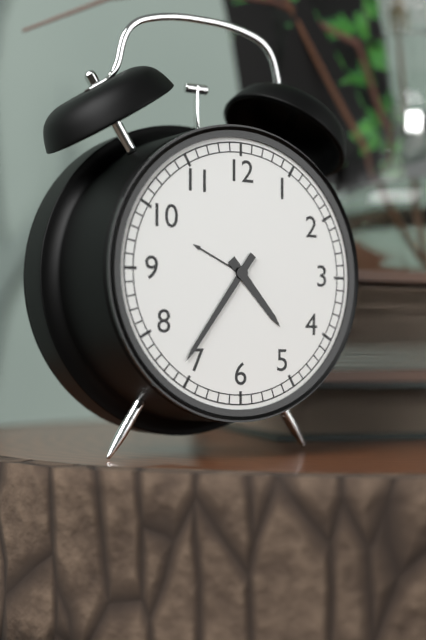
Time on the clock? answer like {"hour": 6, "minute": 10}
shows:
{"hour": 4, "minute": 36}
